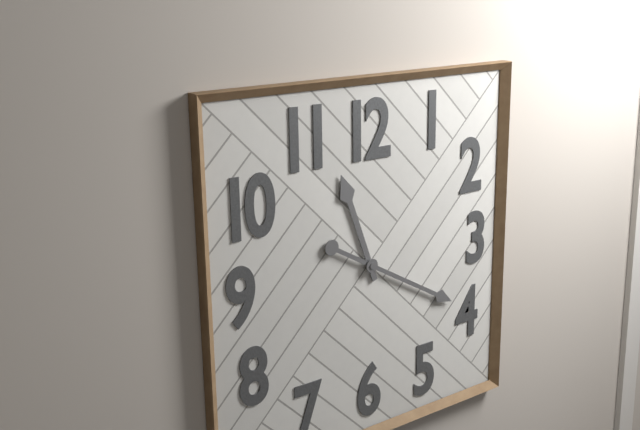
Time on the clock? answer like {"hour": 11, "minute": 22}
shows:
{"hour": 11, "minute": 20}
